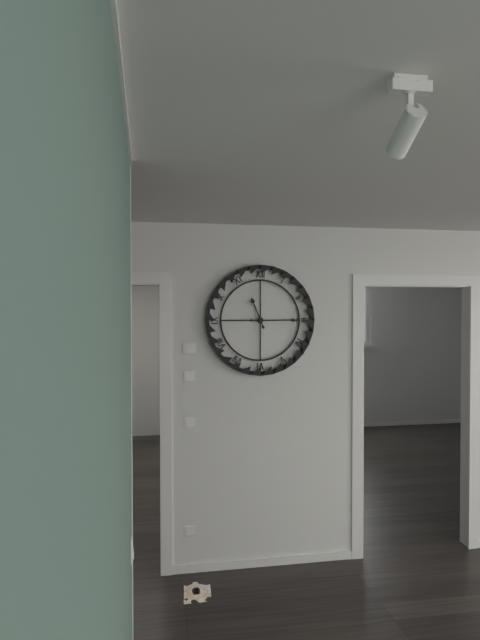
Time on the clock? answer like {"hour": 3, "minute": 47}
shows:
{"hour": 11, "minute": 15}
